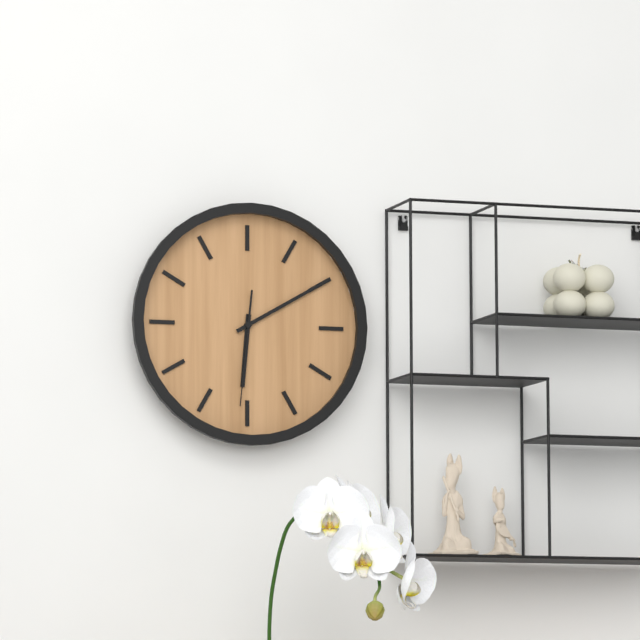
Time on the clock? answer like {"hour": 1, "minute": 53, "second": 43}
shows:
{"hour": 6, "minute": 10, "second": 31}
